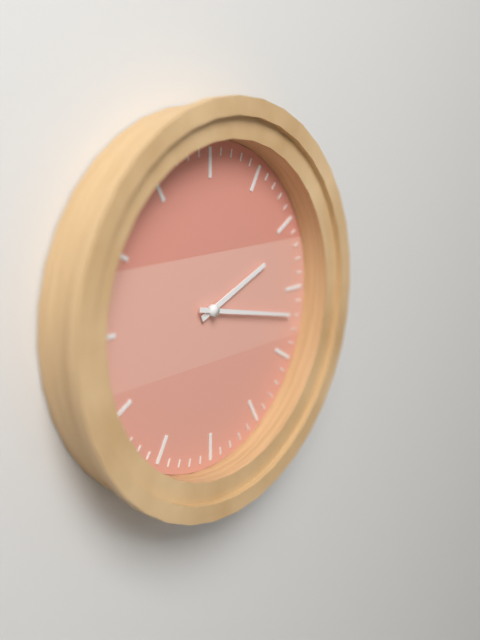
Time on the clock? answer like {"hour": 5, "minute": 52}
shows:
{"hour": 2, "minute": 17}
